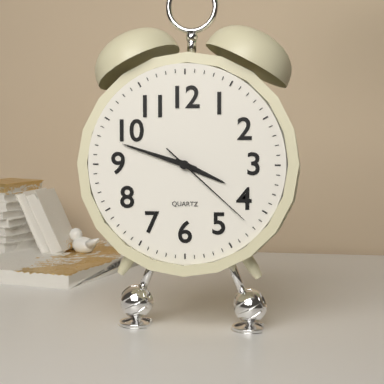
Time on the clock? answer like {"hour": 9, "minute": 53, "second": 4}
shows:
{"hour": 3, "minute": 48, "second": 22}
